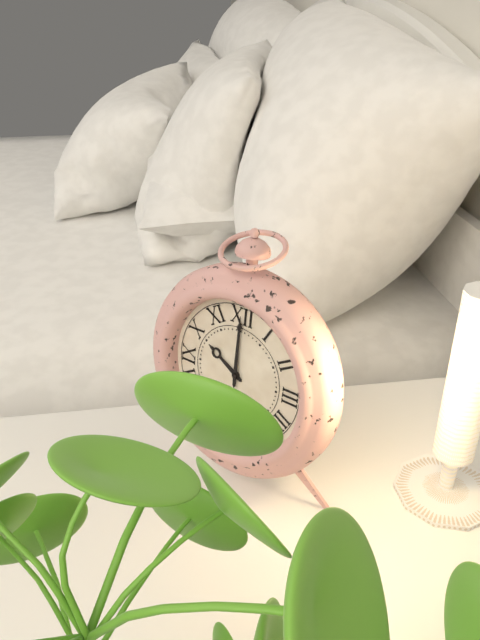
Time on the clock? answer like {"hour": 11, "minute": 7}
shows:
{"hour": 10, "minute": 0}
